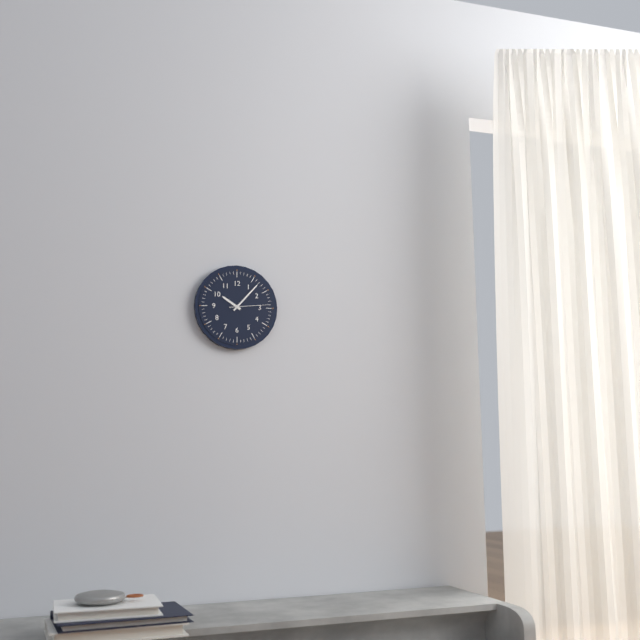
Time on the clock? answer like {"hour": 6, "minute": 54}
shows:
{"hour": 10, "minute": 7}
